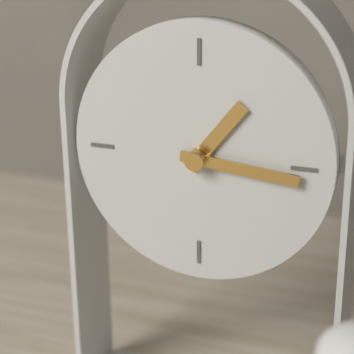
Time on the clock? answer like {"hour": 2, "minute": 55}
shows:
{"hour": 1, "minute": 16}
